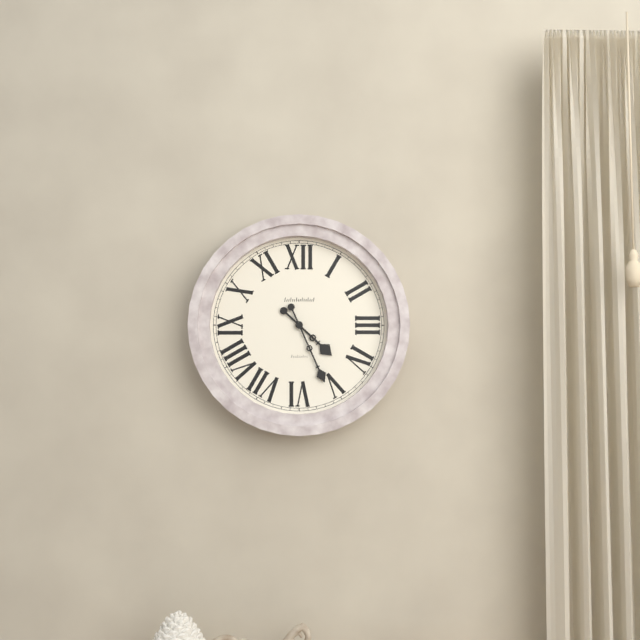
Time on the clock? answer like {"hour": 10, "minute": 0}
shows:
{"hour": 4, "minute": 26}
